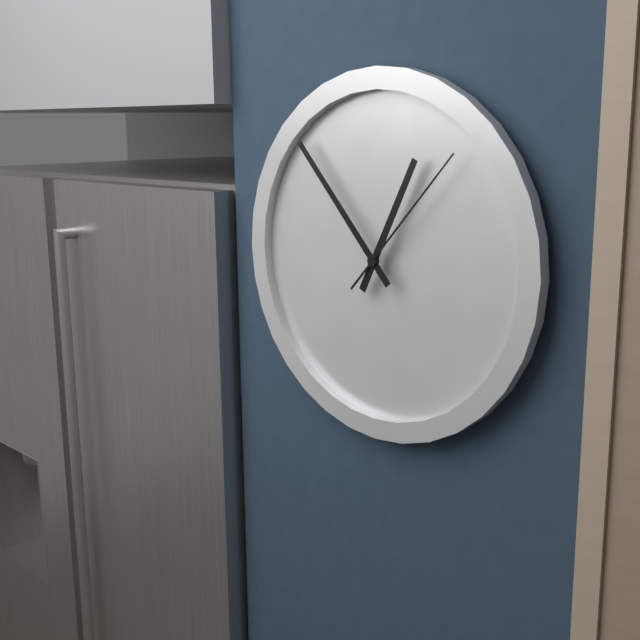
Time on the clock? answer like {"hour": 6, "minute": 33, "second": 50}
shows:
{"hour": 12, "minute": 53, "second": 7}
